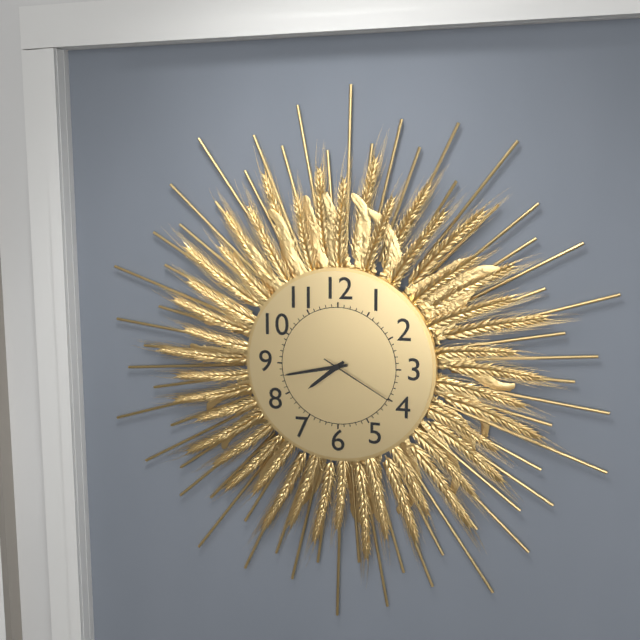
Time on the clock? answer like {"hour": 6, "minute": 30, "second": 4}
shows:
{"hour": 7, "minute": 43, "second": 20}
